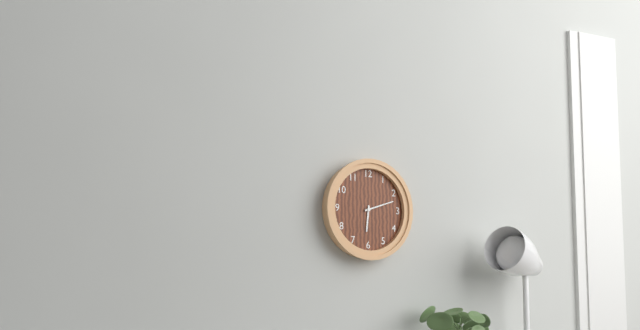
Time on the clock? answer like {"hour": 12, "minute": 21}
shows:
{"hour": 6, "minute": 12}
